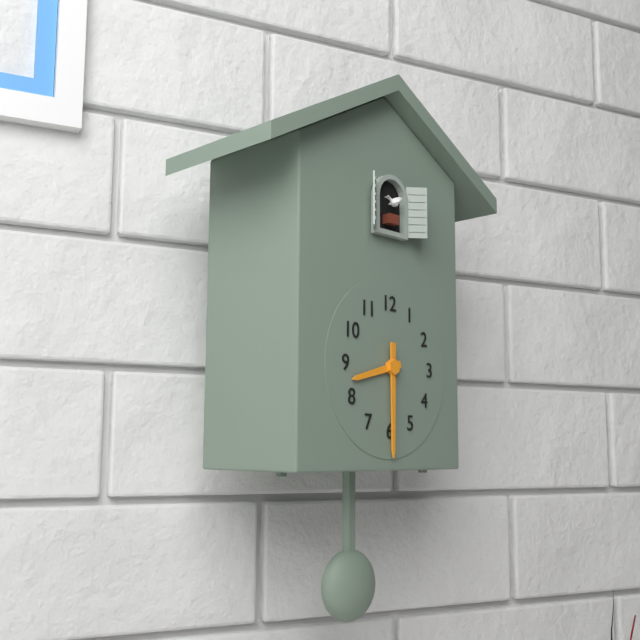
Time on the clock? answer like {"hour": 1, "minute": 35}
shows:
{"hour": 8, "minute": 30}
